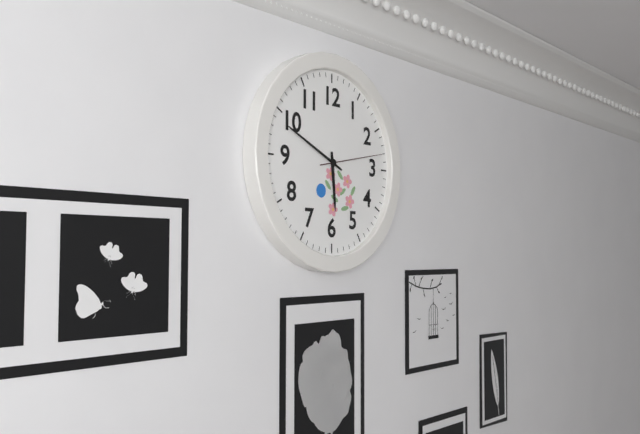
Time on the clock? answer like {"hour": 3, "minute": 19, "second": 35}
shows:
{"hour": 5, "minute": 49, "second": 13}
